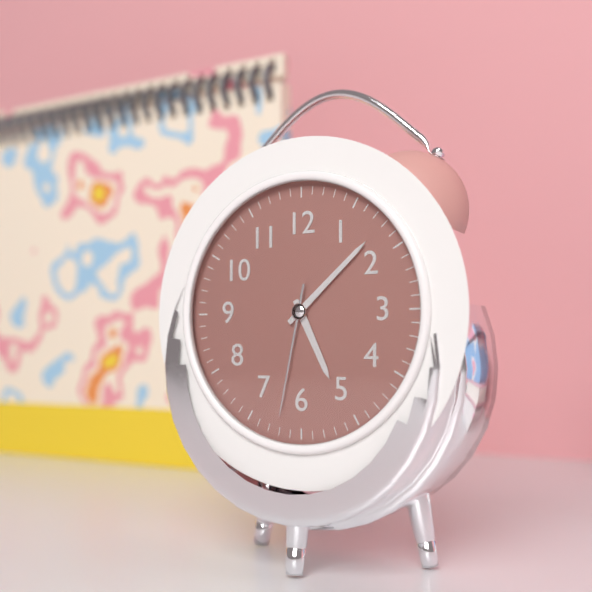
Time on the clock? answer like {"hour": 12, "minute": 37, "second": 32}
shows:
{"hour": 5, "minute": 8, "second": 32}
